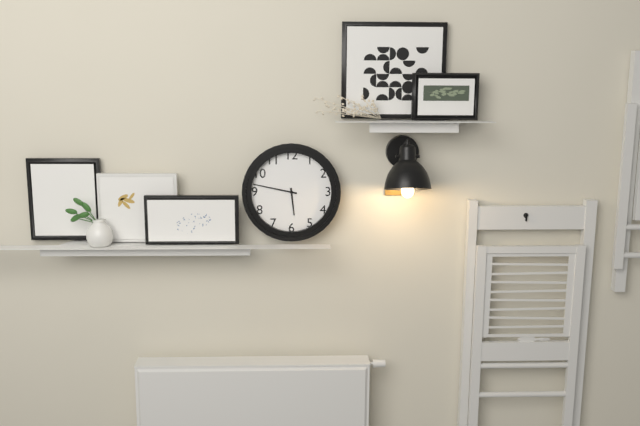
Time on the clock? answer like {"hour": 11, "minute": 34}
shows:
{"hour": 5, "minute": 47}
